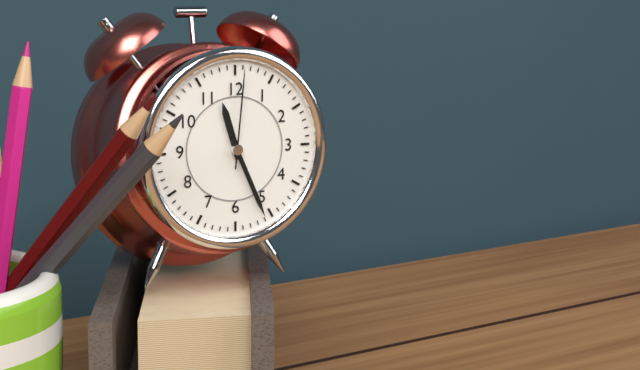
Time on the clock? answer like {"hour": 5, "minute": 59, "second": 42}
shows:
{"hour": 11, "minute": 26, "second": 1}
